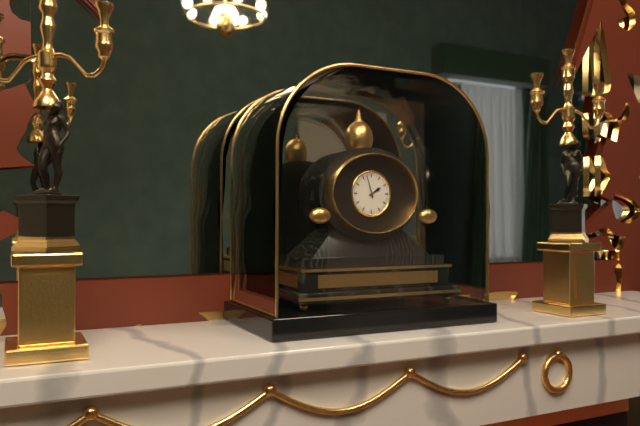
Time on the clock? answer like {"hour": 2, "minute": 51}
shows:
{"hour": 1, "minute": 57}
